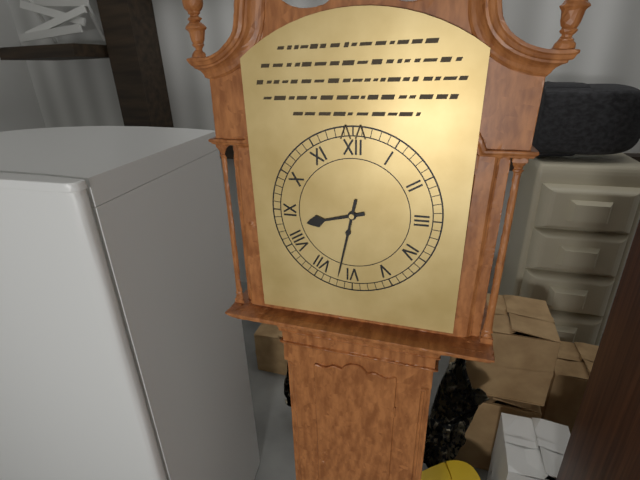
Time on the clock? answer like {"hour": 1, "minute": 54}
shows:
{"hour": 8, "minute": 32}
